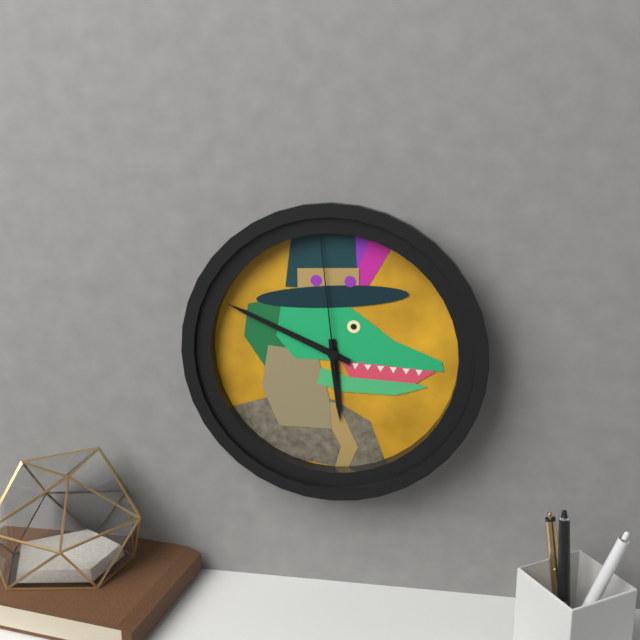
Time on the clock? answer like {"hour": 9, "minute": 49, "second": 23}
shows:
{"hour": 5, "minute": 49, "second": 59}
